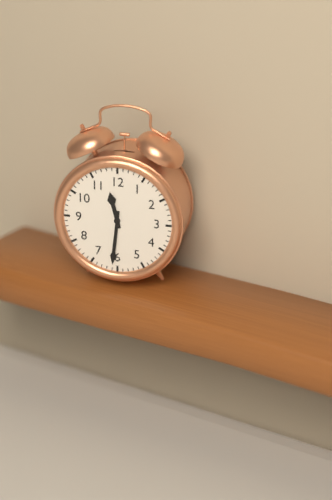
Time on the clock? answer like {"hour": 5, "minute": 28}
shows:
{"hour": 11, "minute": 31}
